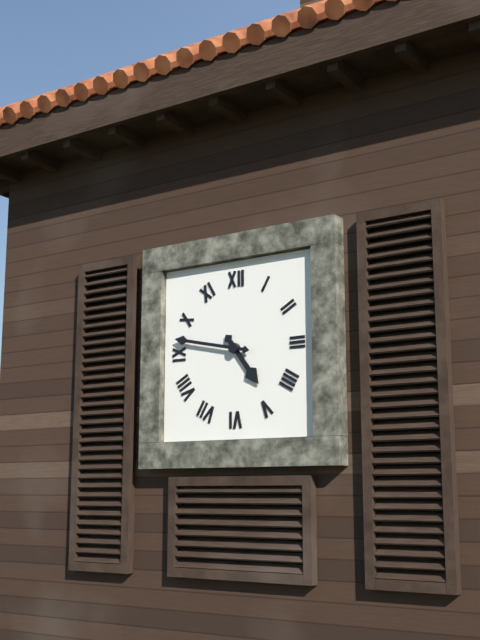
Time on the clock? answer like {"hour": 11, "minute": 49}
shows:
{"hour": 4, "minute": 47}
